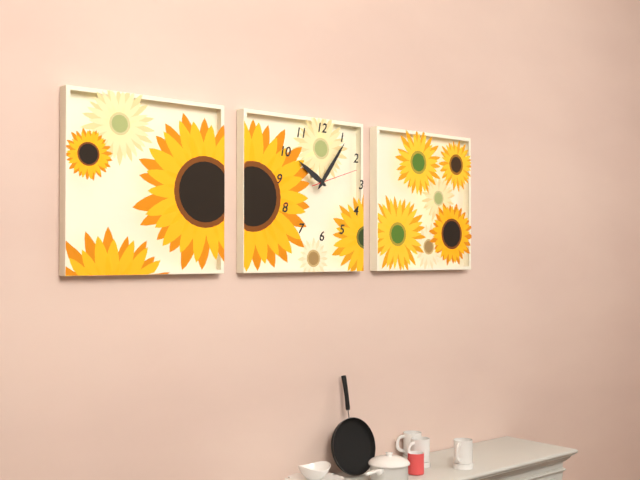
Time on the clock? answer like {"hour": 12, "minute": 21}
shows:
{"hour": 10, "minute": 6}
